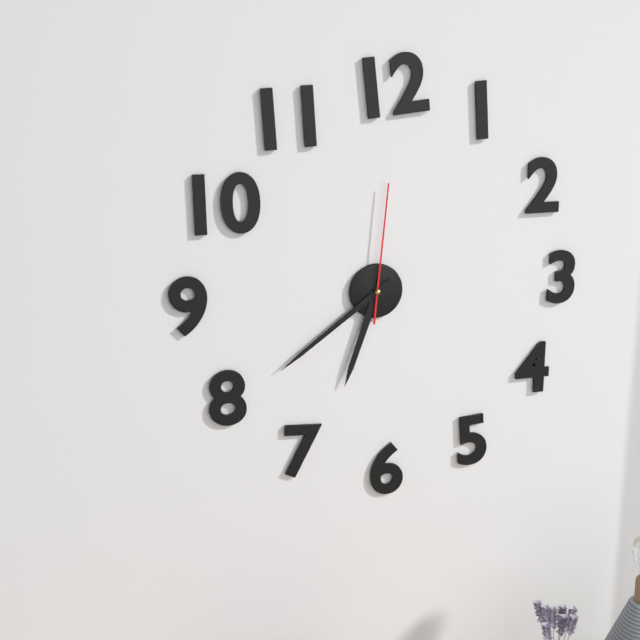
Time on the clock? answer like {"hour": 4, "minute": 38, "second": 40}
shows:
{"hour": 6, "minute": 39, "second": 1}
